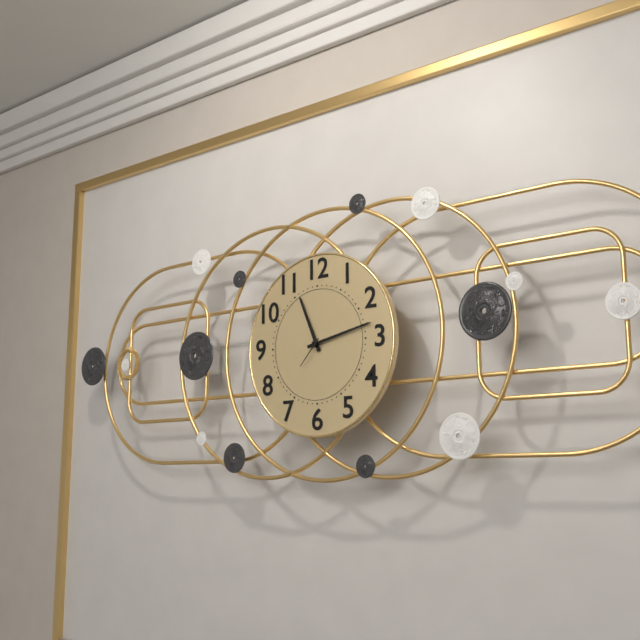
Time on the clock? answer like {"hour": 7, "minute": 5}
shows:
{"hour": 11, "minute": 13}
